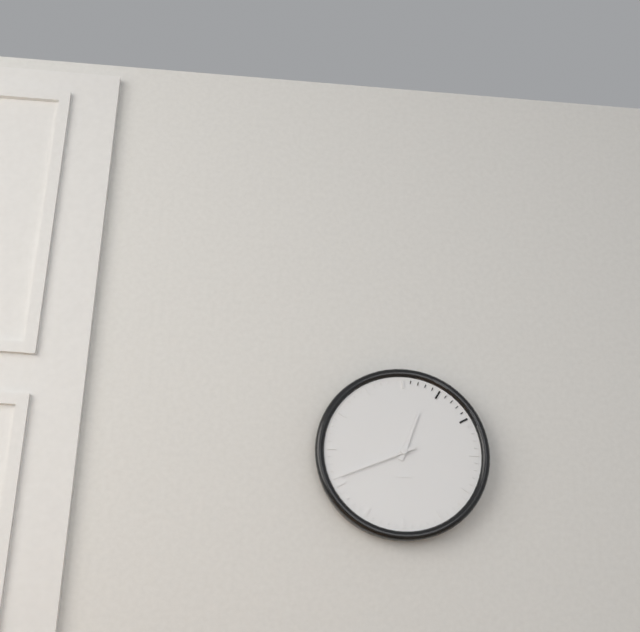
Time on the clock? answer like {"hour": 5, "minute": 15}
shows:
{"hour": 12, "minute": 41}
